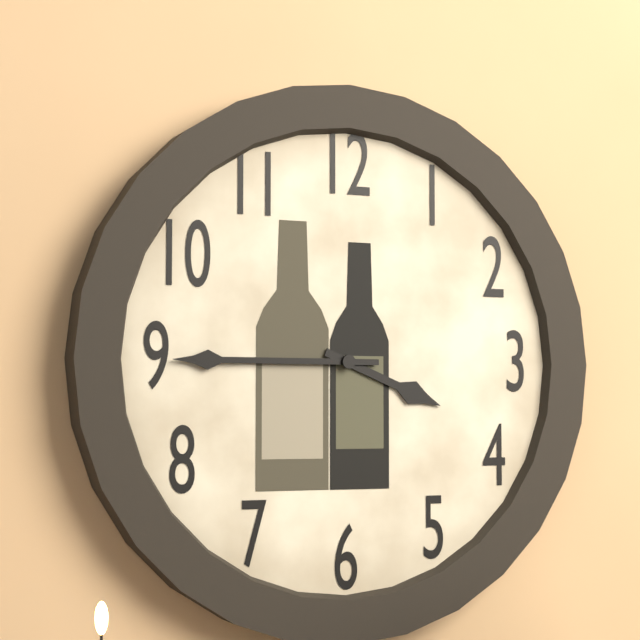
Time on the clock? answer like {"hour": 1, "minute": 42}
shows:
{"hour": 3, "minute": 45}
